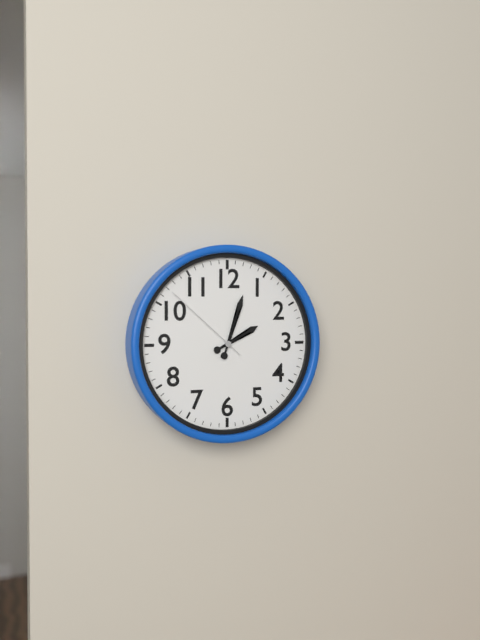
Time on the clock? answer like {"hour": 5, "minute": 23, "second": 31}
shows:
{"hour": 2, "minute": 3, "second": 52}
